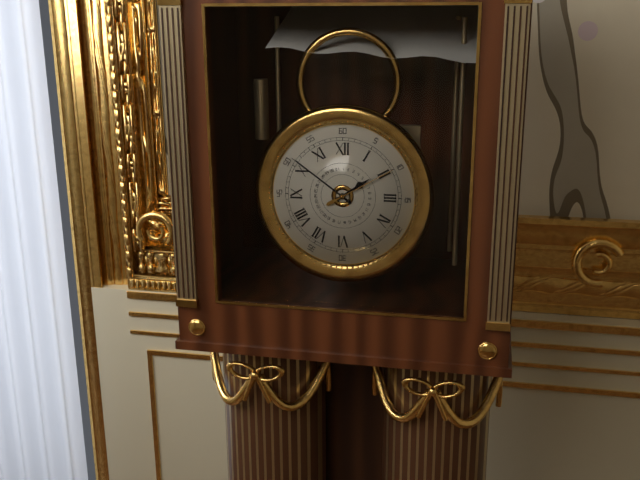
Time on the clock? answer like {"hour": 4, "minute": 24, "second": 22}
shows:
{"hour": 1, "minute": 51, "second": 10}
